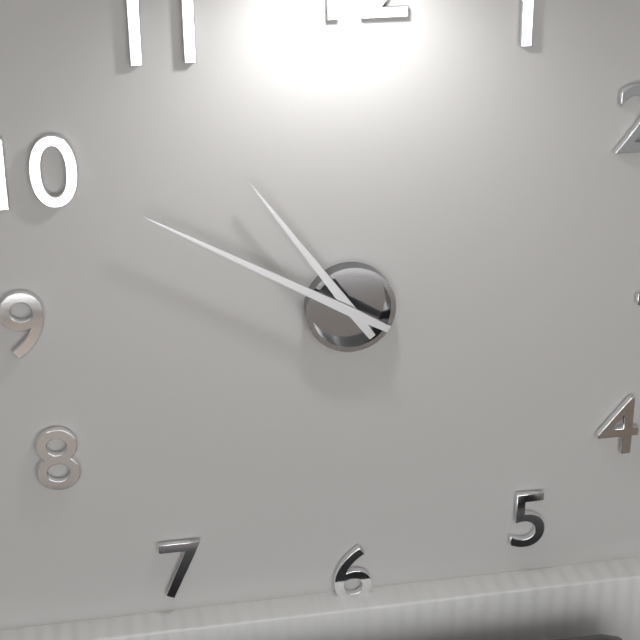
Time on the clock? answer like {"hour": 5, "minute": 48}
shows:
{"hour": 10, "minute": 50}
